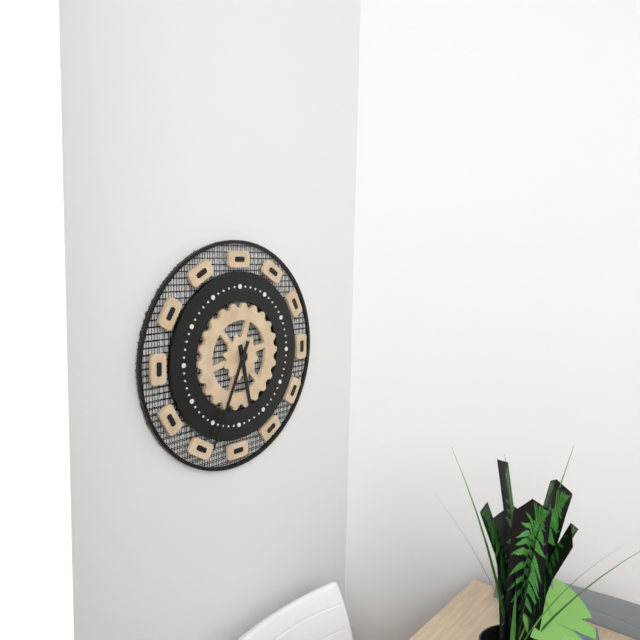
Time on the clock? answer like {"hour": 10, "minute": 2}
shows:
{"hour": 5, "minute": 34}
